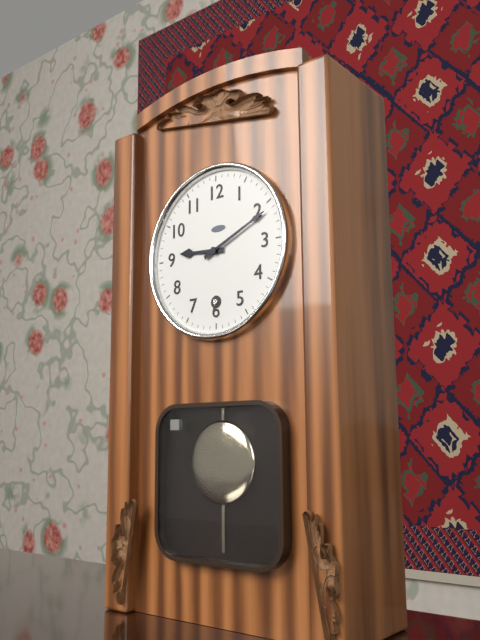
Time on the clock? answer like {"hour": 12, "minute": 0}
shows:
{"hour": 9, "minute": 11}
